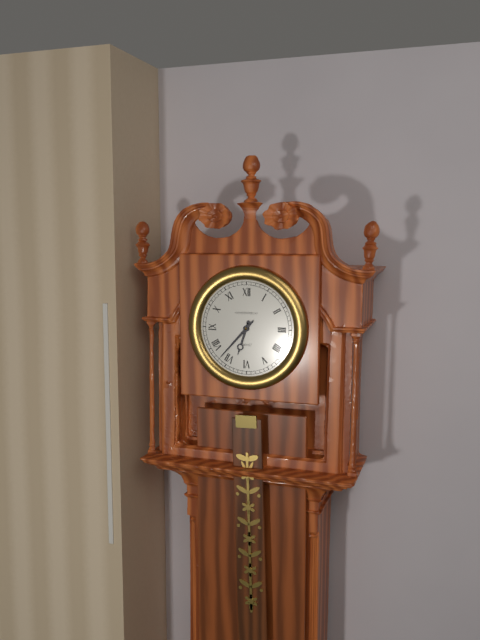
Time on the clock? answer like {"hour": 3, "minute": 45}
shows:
{"hour": 6, "minute": 37}
